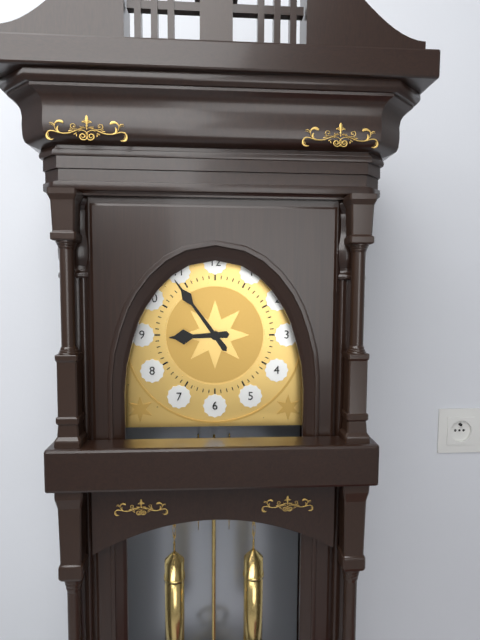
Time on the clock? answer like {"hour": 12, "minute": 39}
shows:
{"hour": 8, "minute": 54}
